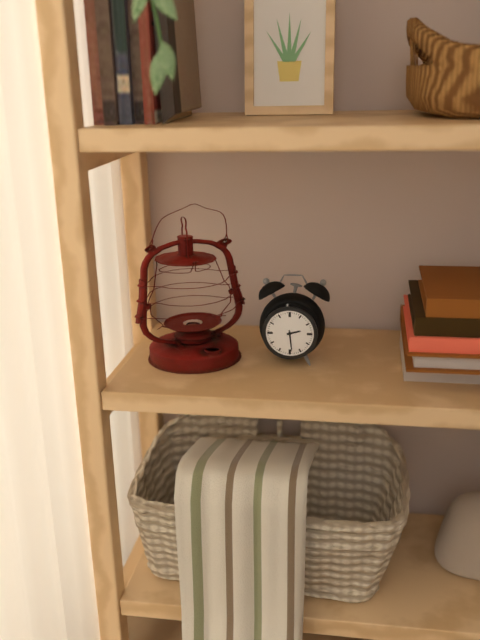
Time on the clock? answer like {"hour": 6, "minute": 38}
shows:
{"hour": 2, "minute": 29}
